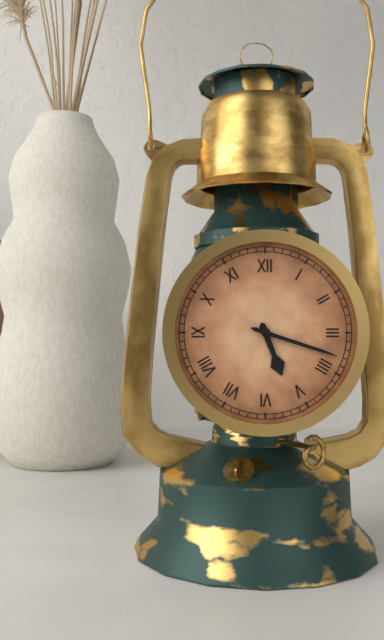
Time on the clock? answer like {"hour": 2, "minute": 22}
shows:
{"hour": 5, "minute": 18}
